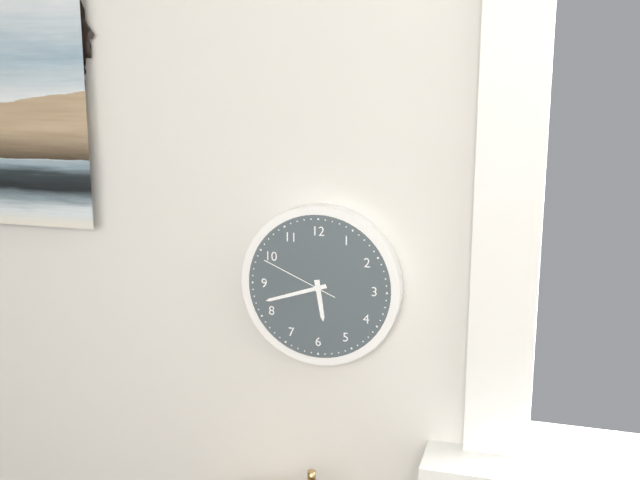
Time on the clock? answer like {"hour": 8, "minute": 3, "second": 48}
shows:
{"hour": 5, "minute": 42, "second": 49}
